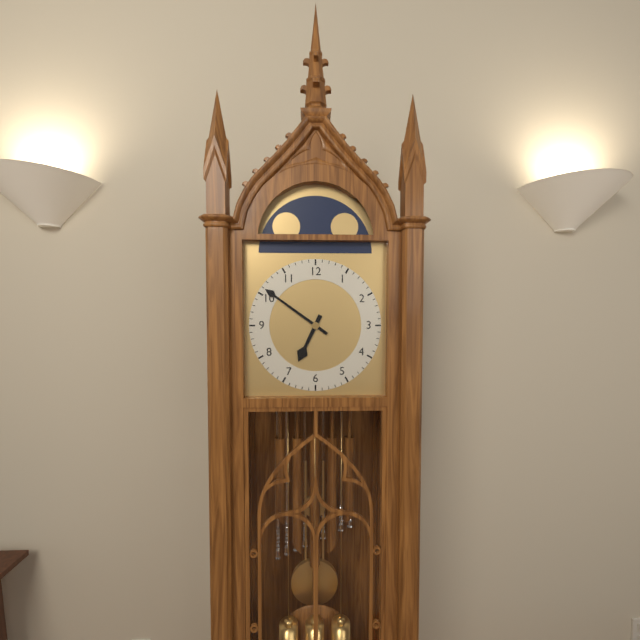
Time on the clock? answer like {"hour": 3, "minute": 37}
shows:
{"hour": 6, "minute": 51}
